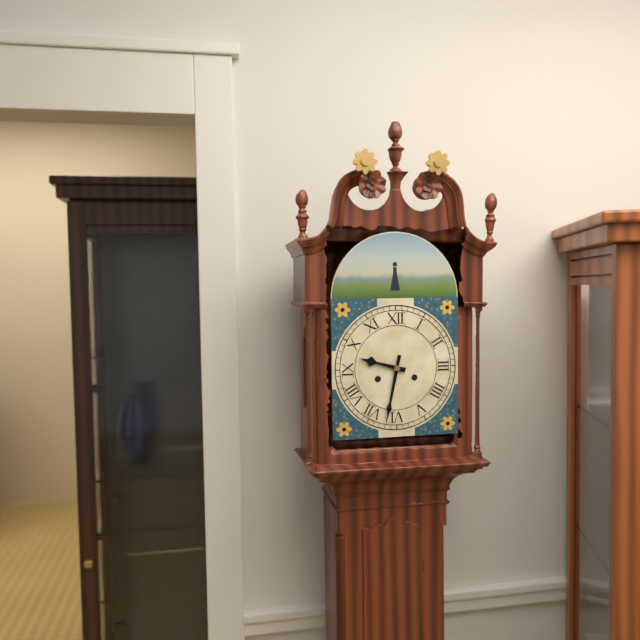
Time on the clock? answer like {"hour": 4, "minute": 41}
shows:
{"hour": 9, "minute": 32}
